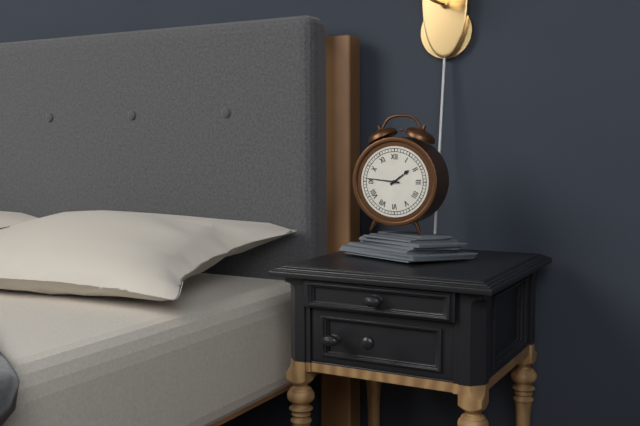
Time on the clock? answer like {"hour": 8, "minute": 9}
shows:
{"hour": 1, "minute": 46}
